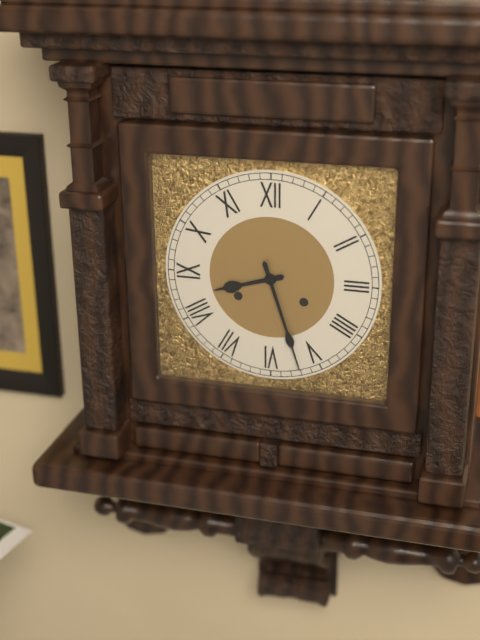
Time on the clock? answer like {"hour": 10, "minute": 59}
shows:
{"hour": 8, "minute": 27}
